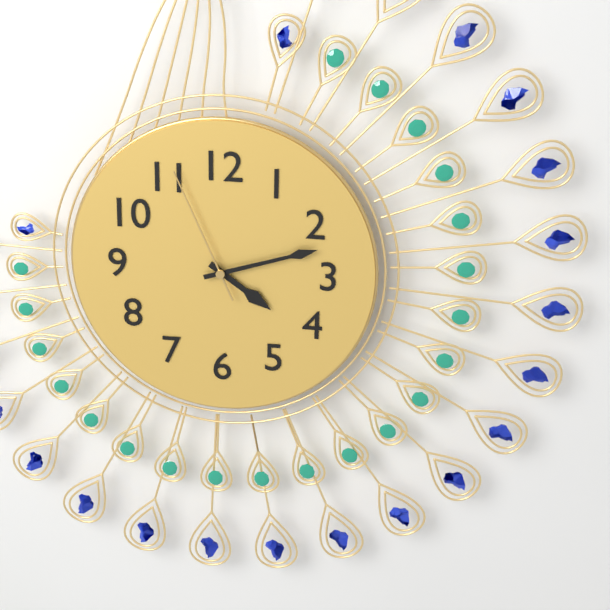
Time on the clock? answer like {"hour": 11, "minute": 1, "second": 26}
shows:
{"hour": 4, "minute": 12, "second": 56}
